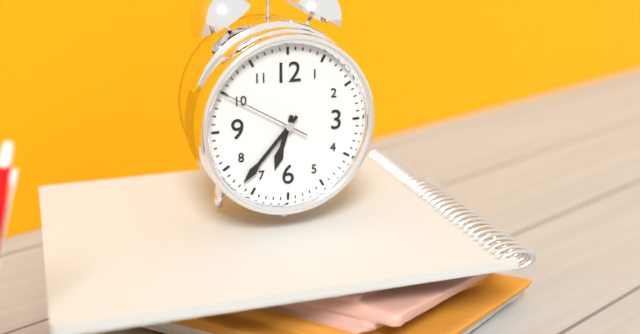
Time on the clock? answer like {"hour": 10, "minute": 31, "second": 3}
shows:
{"hour": 6, "minute": 37, "second": 50}
